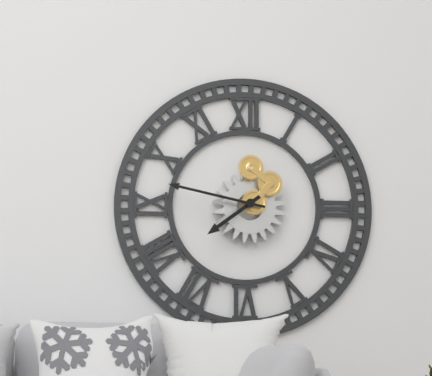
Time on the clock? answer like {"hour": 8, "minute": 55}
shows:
{"hour": 7, "minute": 47}
